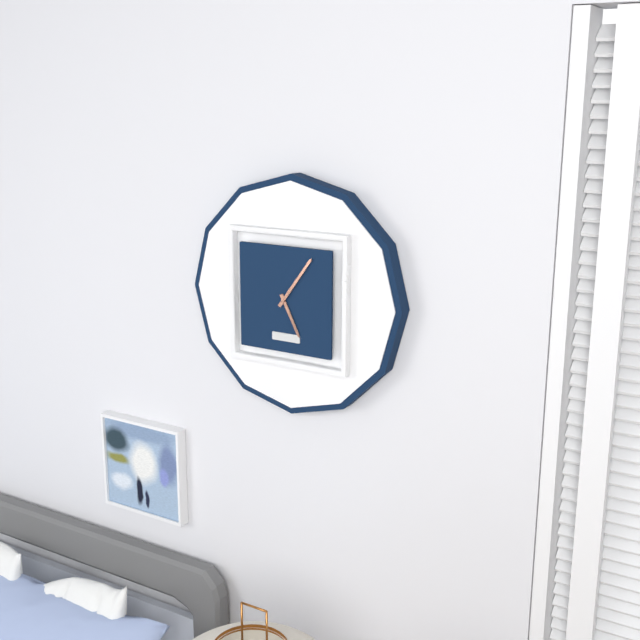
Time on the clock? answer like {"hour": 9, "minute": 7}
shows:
{"hour": 5, "minute": 6}
